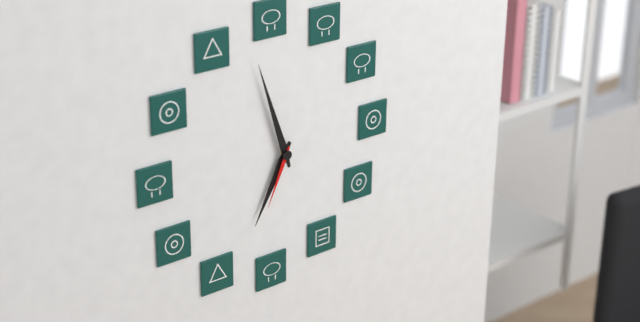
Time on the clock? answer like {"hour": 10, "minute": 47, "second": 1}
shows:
{"hour": 6, "minute": 57, "second": 34}
